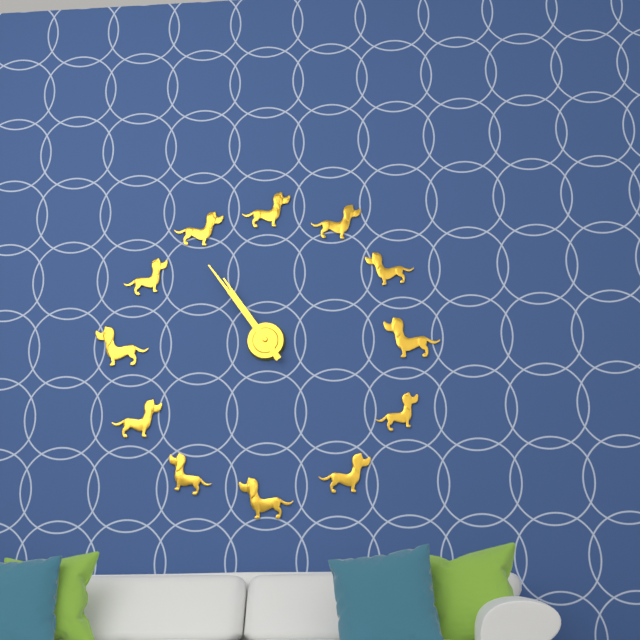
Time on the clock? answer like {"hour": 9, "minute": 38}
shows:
{"hour": 10, "minute": 54}
